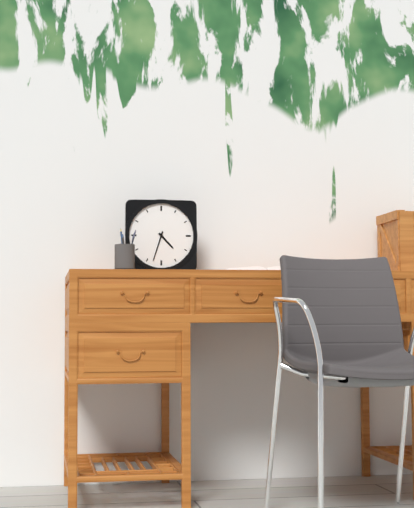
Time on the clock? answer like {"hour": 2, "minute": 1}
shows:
{"hour": 4, "minute": 33}
